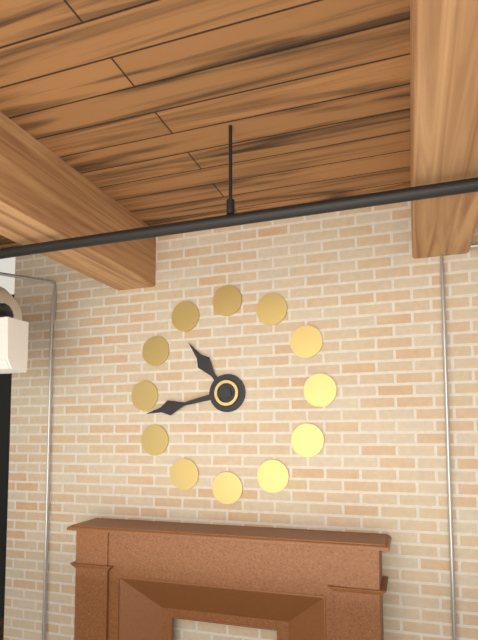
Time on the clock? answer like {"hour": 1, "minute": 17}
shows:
{"hour": 10, "minute": 43}
